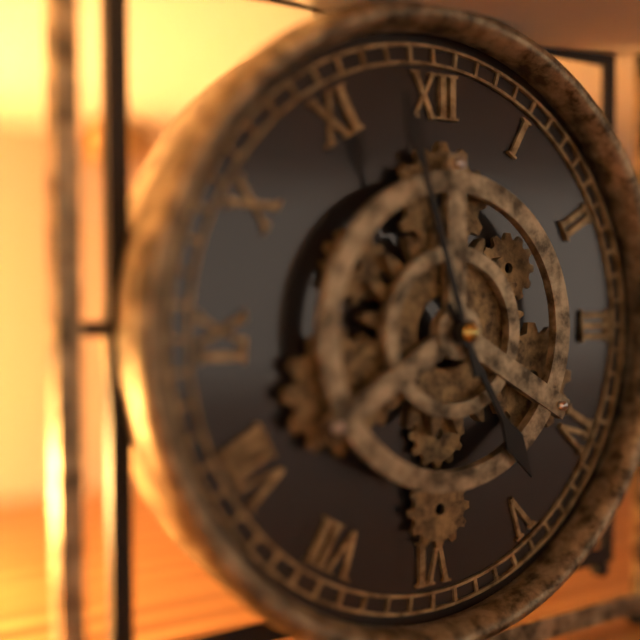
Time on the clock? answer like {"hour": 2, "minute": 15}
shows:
{"hour": 4, "minute": 57}
